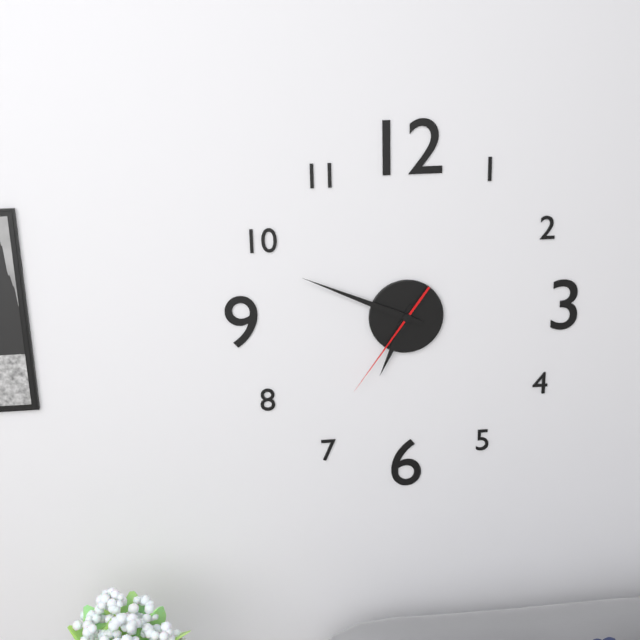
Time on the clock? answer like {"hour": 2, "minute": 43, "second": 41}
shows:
{"hour": 6, "minute": 49, "second": 36}
